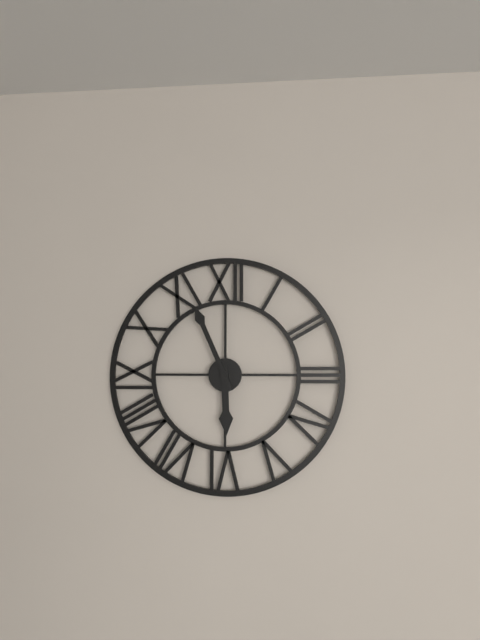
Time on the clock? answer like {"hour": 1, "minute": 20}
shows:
{"hour": 5, "minute": 56}
